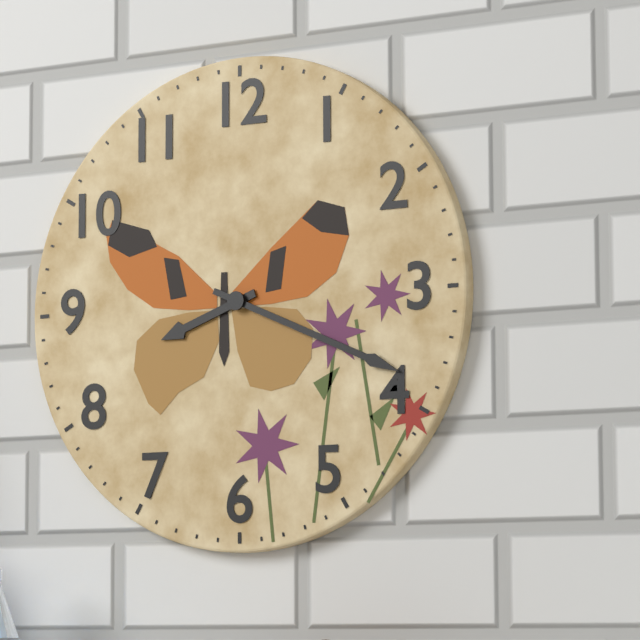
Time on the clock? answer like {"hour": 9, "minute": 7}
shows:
{"hour": 8, "minute": 19}
